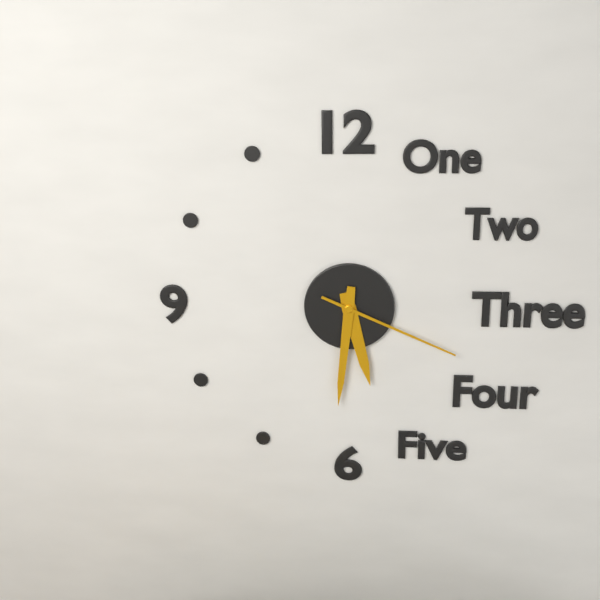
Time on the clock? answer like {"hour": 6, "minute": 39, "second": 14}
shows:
{"hour": 5, "minute": 31, "second": 19}
